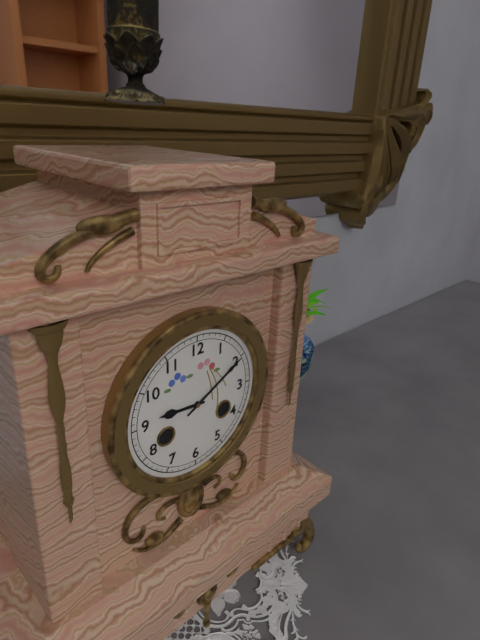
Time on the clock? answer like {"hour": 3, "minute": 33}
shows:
{"hour": 9, "minute": 10}
